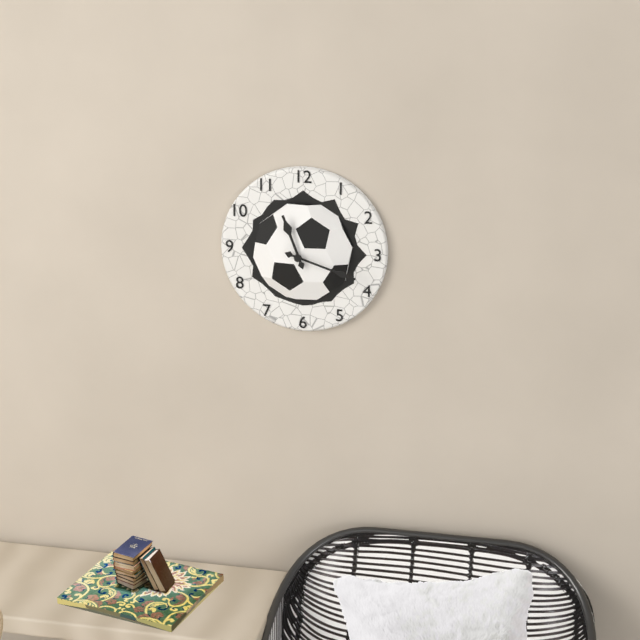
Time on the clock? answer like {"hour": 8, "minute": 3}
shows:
{"hour": 11, "minute": 18}
